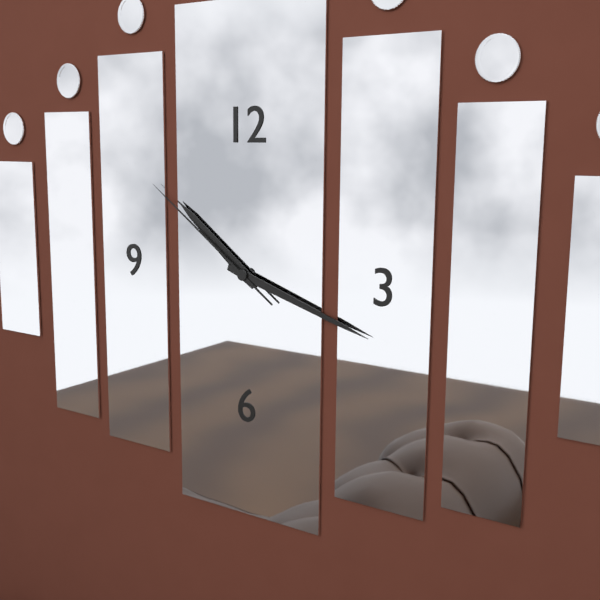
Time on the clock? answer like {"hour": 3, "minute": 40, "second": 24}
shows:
{"hour": 10, "minute": 18, "second": 51}
